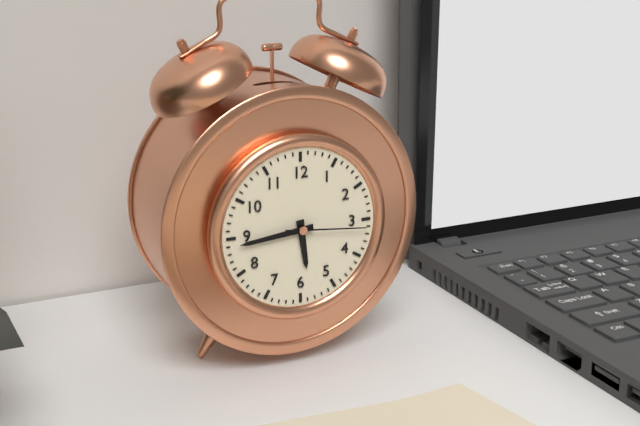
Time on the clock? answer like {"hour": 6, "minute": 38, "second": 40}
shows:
{"hour": 5, "minute": 44, "second": 16}
